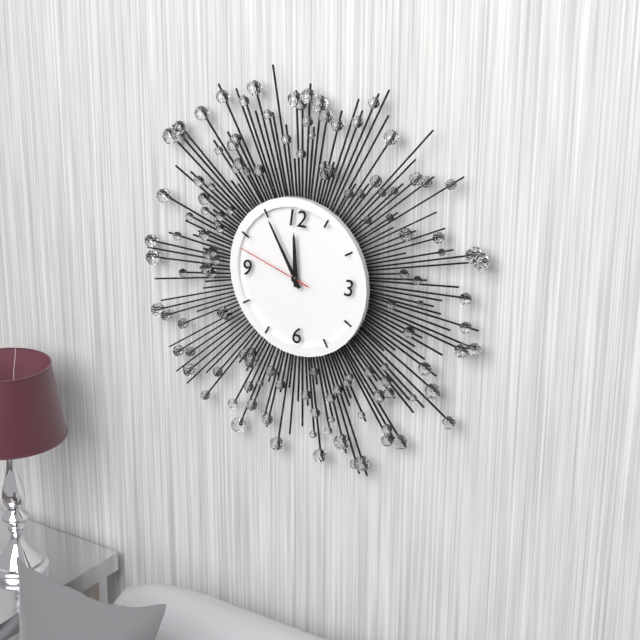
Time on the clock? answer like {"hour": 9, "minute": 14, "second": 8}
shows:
{"hour": 11, "minute": 55, "second": 48}
